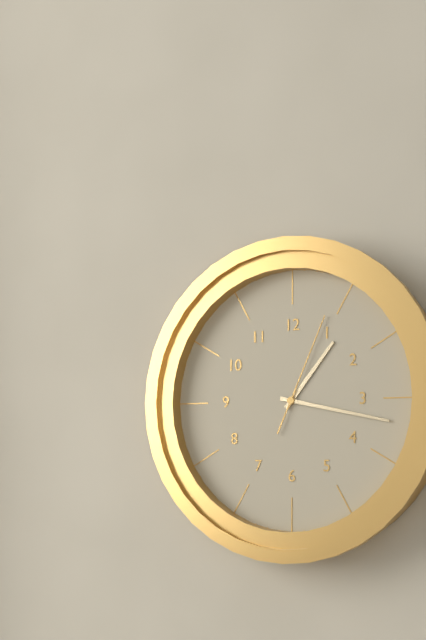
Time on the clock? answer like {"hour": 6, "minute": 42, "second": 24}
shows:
{"hour": 1, "minute": 17, "second": 4}
